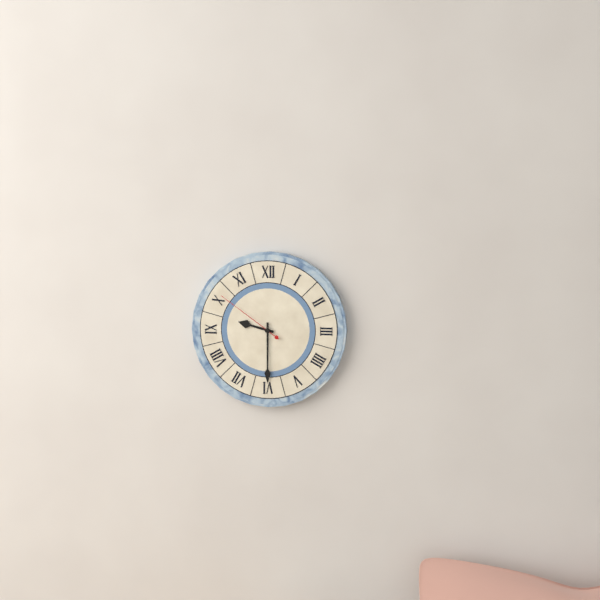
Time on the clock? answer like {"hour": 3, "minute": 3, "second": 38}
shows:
{"hour": 9, "minute": 30, "second": 51}
